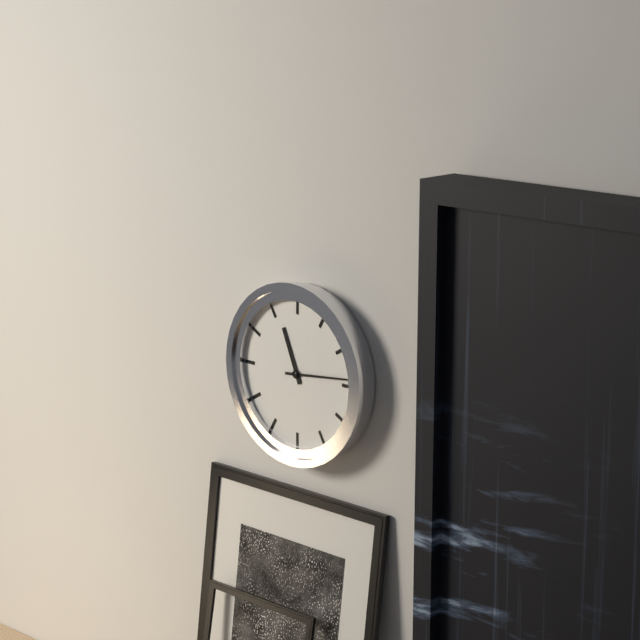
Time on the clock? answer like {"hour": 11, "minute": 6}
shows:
{"hour": 11, "minute": 14}
